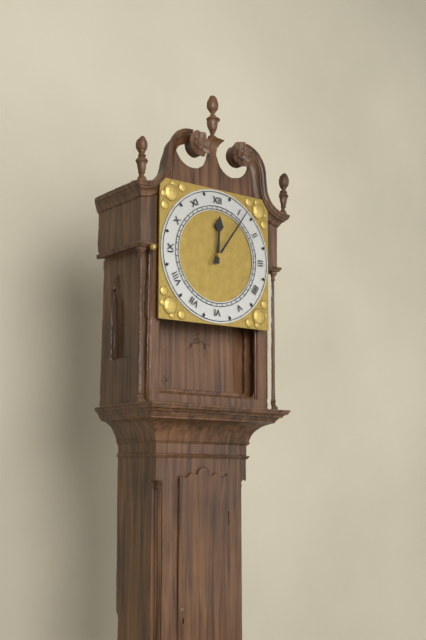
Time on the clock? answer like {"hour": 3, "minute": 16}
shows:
{"hour": 12, "minute": 6}
